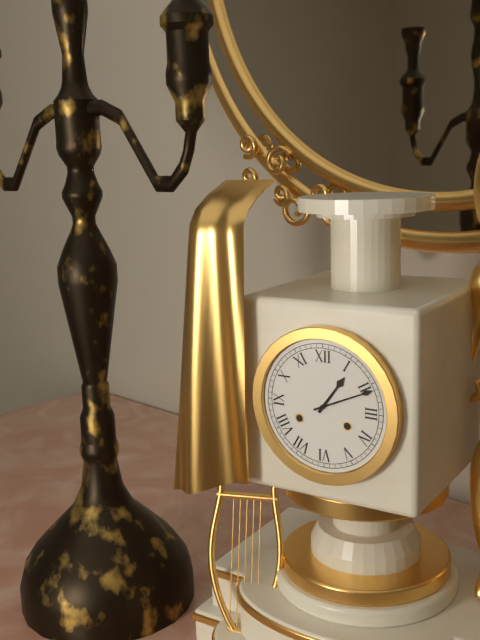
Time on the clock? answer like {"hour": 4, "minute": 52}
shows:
{"hour": 1, "minute": 11}
